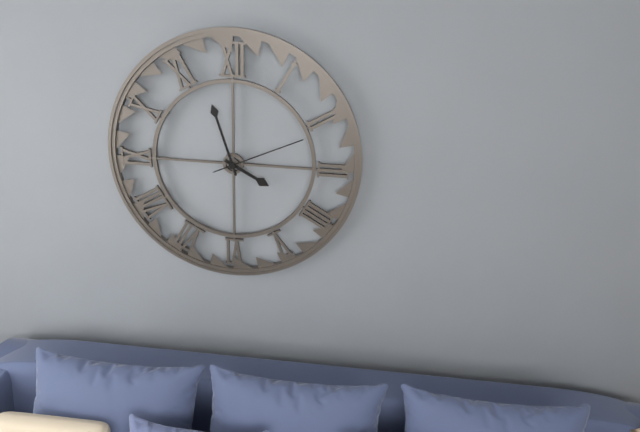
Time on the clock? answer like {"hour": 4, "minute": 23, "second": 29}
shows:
{"hour": 3, "minute": 57, "second": 11}
